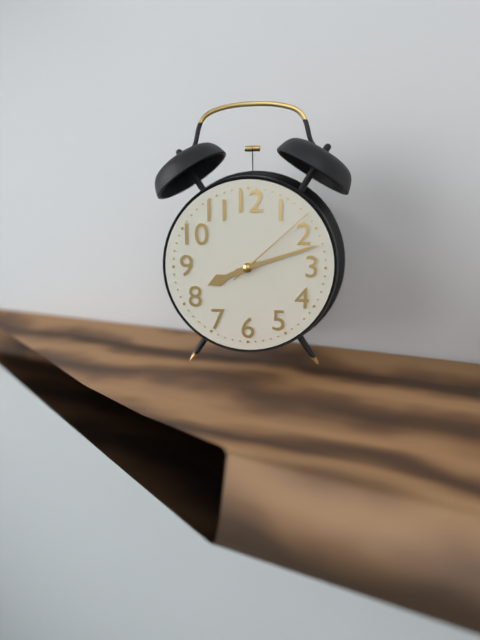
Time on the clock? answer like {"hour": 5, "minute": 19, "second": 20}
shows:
{"hour": 8, "minute": 12, "second": 8}
